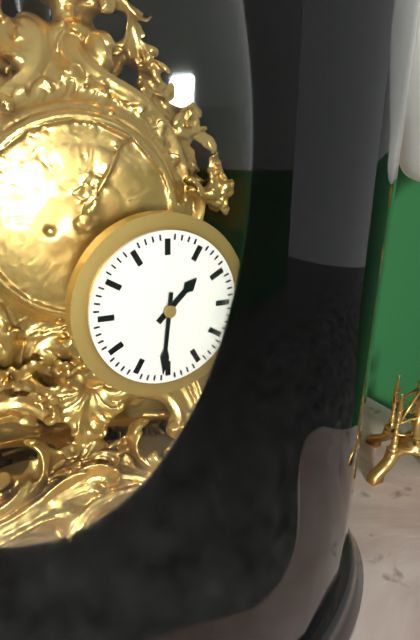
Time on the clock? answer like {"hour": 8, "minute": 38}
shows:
{"hour": 1, "minute": 31}
